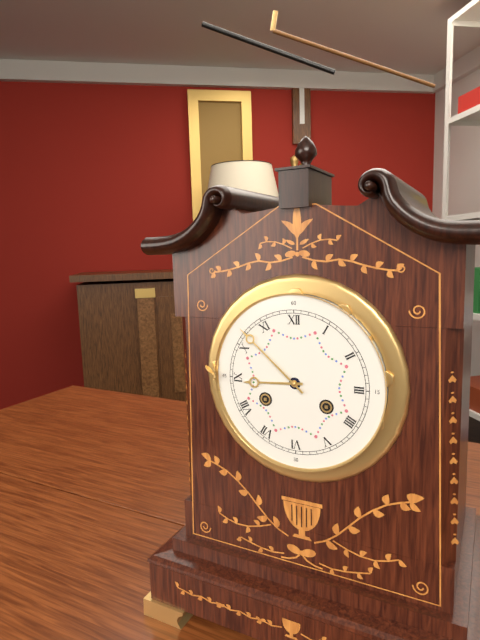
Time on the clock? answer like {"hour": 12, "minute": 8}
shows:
{"hour": 8, "minute": 52}
